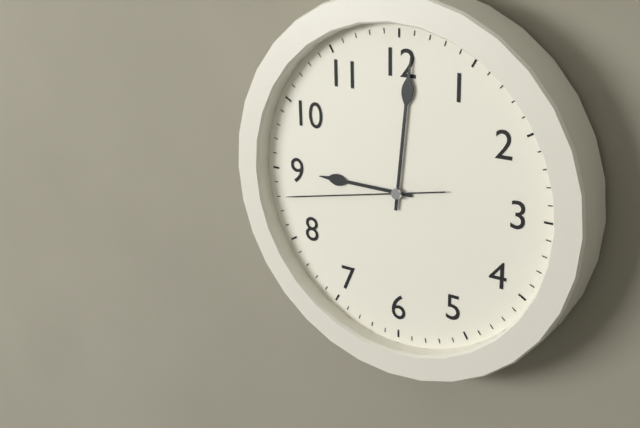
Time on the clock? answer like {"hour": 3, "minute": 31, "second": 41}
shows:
{"hour": 9, "minute": 1, "second": 43}
